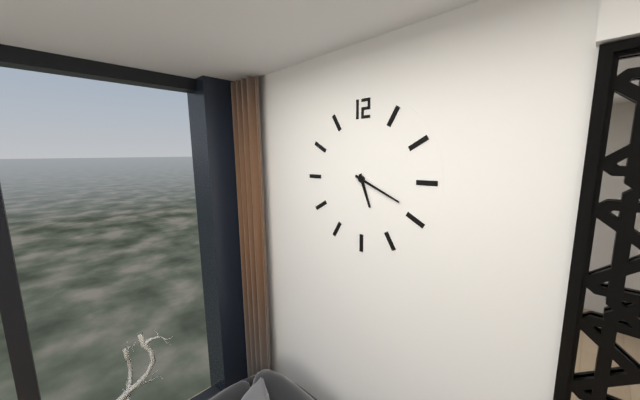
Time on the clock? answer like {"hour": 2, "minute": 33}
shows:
{"hour": 5, "minute": 19}
